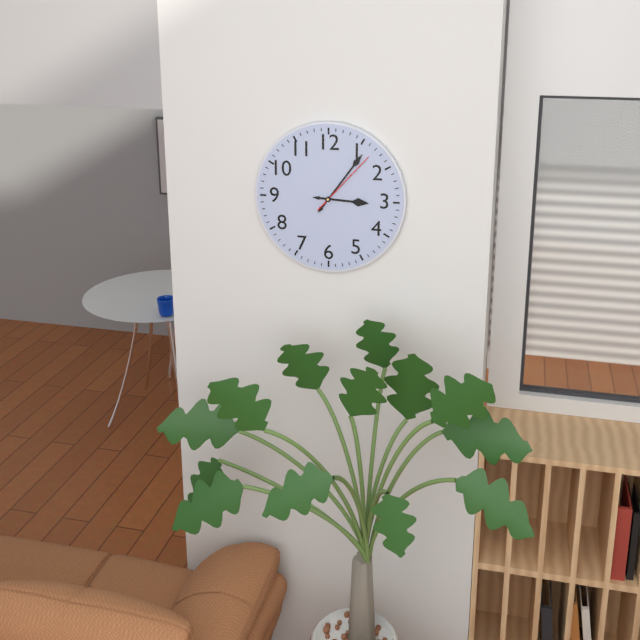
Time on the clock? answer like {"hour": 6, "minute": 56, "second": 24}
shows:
{"hour": 3, "minute": 6, "second": 7}
